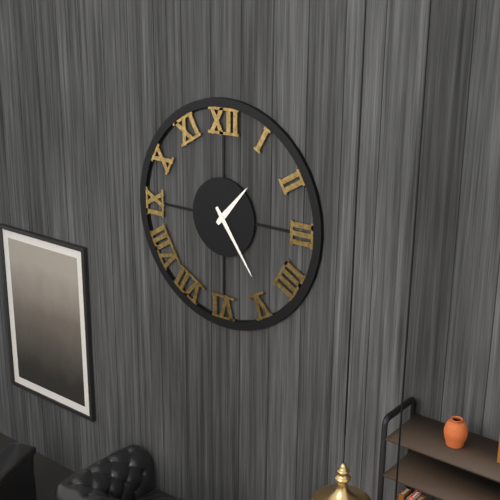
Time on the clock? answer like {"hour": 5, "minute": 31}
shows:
{"hour": 1, "minute": 24}
